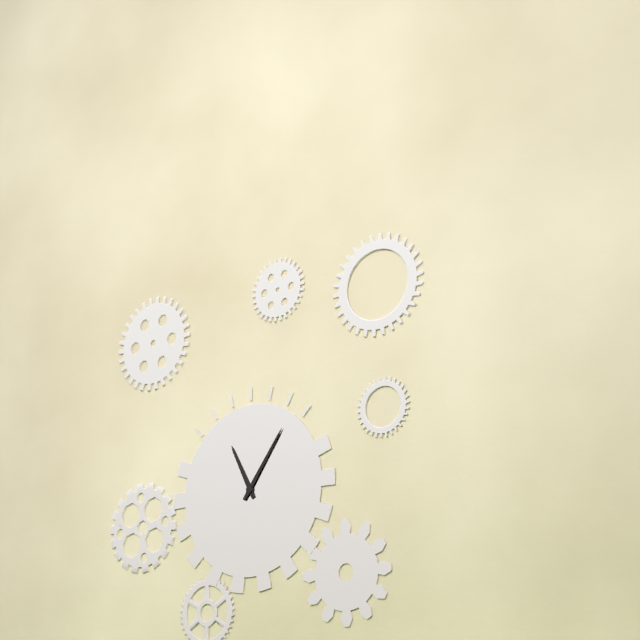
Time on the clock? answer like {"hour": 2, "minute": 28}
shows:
{"hour": 11, "minute": 6}
